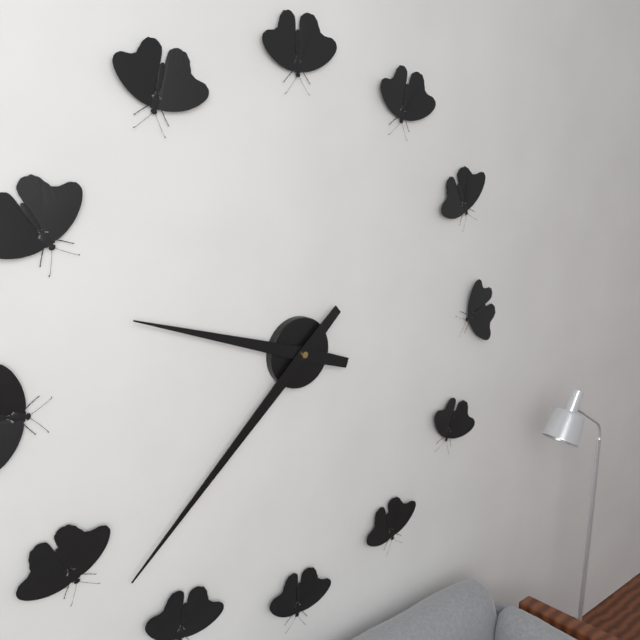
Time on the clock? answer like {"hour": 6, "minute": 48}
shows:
{"hour": 9, "minute": 38}
